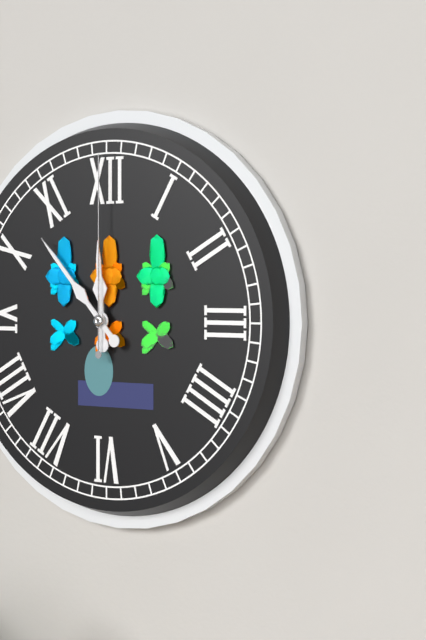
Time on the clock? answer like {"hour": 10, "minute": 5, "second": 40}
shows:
{"hour": 11, "minute": 53, "second": 0}
